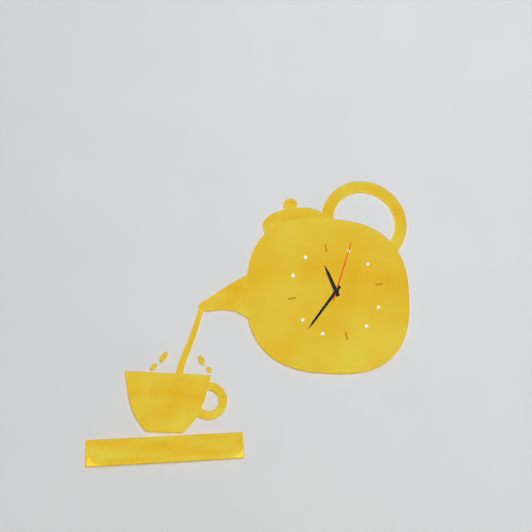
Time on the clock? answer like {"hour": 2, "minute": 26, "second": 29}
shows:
{"hour": 11, "minute": 38, "second": 5}
